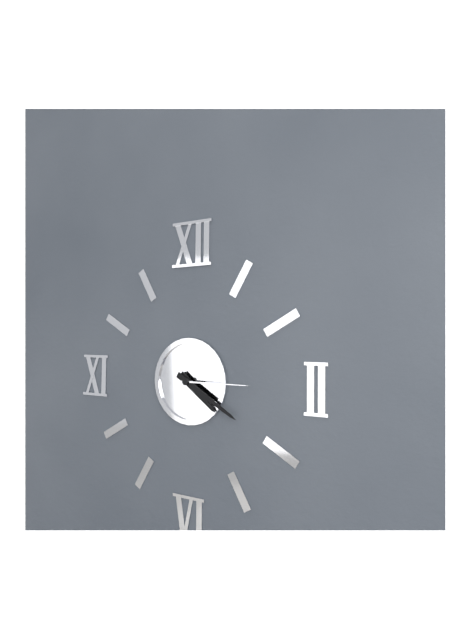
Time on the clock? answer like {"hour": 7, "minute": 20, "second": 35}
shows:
{"hour": 4, "minute": 20, "second": 15}
